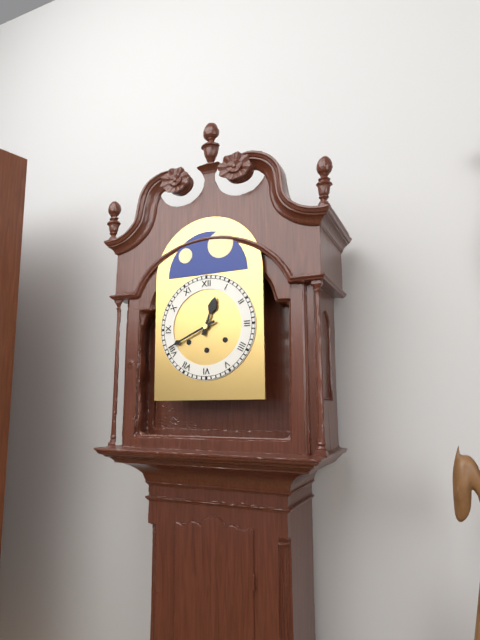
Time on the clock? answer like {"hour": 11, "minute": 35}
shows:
{"hour": 12, "minute": 41}
